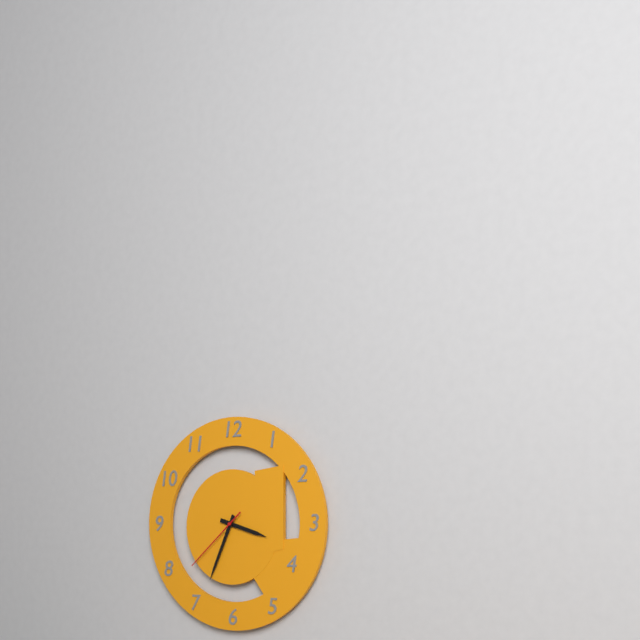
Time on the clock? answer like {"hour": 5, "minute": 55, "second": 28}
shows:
{"hour": 3, "minute": 34, "second": 38}
